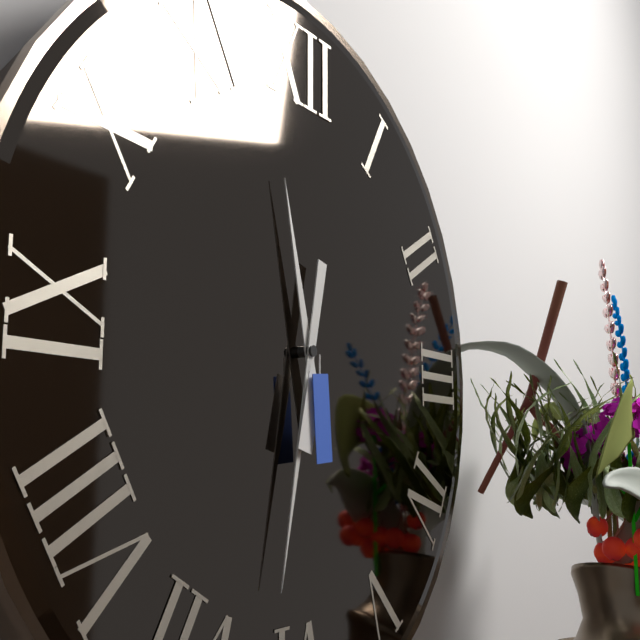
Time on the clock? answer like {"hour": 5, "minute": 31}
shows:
{"hour": 11, "minute": 32}
